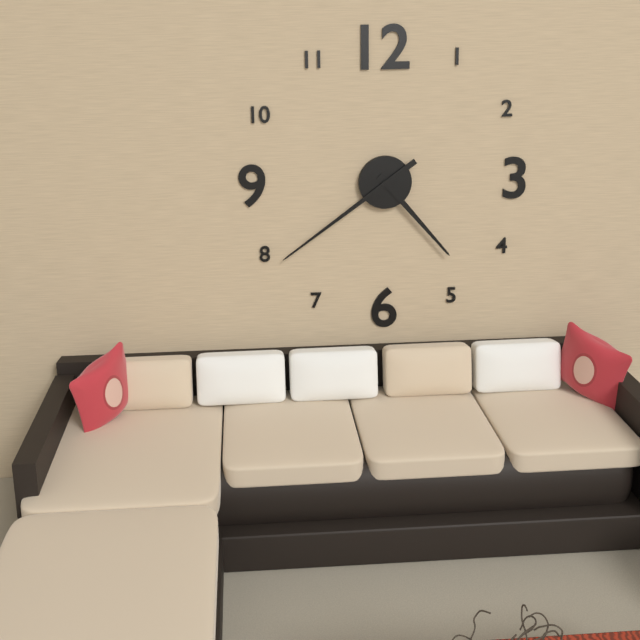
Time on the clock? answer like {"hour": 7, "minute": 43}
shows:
{"hour": 4, "minute": 39}
